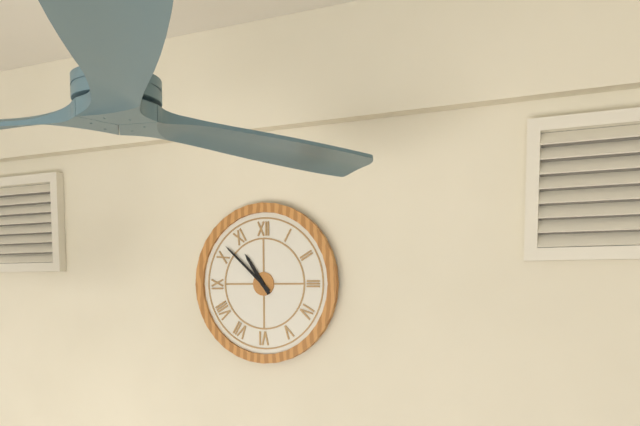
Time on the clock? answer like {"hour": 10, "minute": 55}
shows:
{"hour": 10, "minute": 52}
